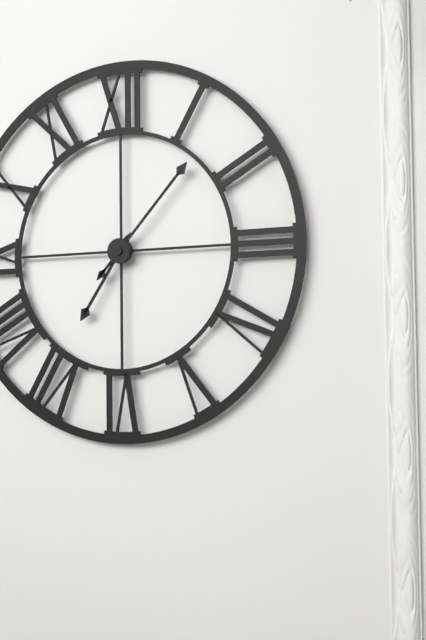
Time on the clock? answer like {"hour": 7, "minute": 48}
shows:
{"hour": 7, "minute": 7}
